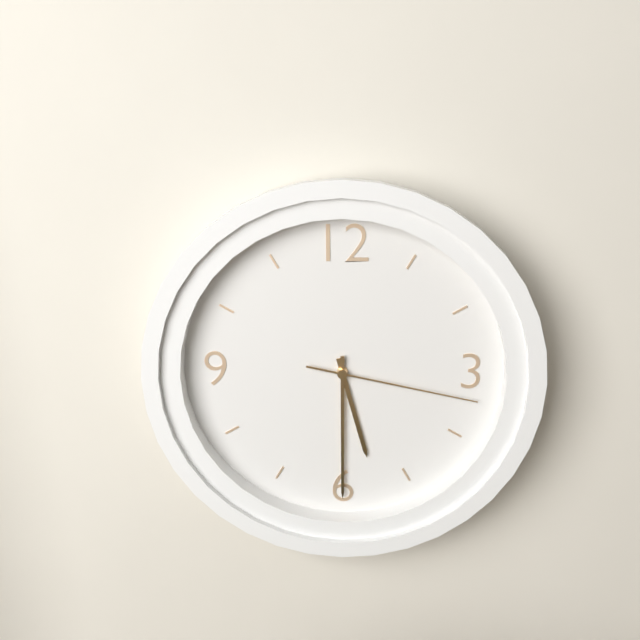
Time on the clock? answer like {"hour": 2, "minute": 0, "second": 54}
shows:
{"hour": 5, "minute": 30, "second": 17}
